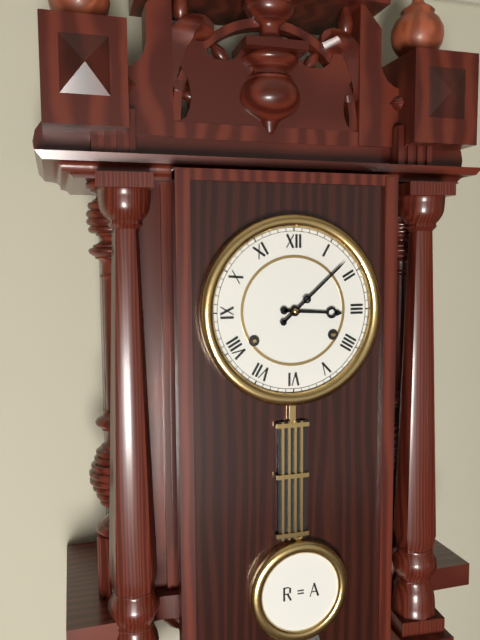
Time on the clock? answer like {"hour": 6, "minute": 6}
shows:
{"hour": 3, "minute": 8}
